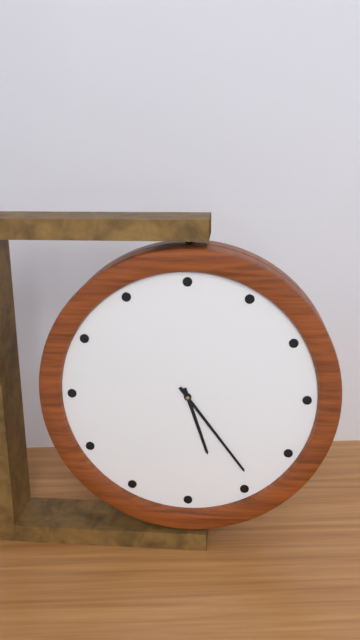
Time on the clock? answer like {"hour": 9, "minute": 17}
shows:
{"hour": 5, "minute": 24}
